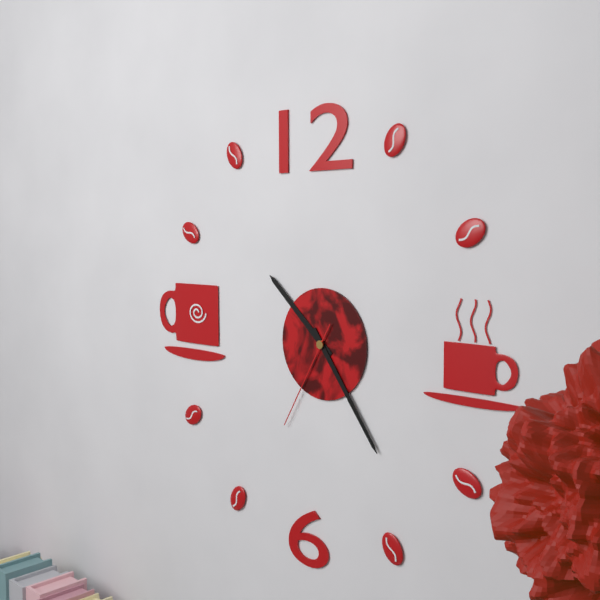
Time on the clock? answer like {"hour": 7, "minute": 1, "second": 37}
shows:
{"hour": 10, "minute": 24, "second": 35}
